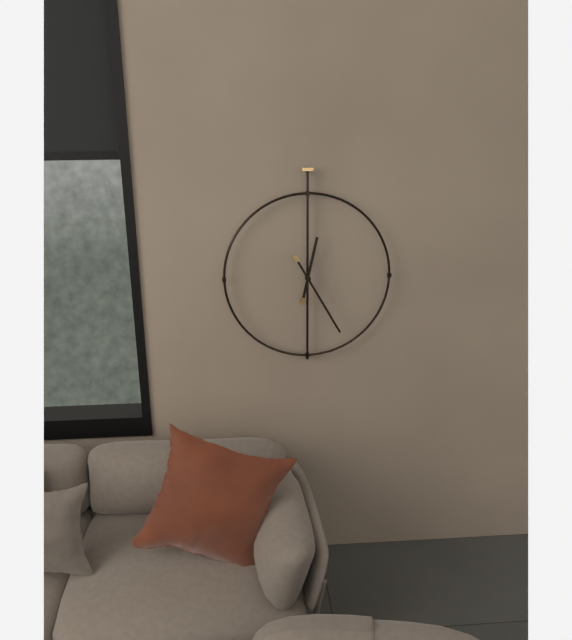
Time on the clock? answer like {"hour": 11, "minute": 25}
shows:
{"hour": 12, "minute": 25}
